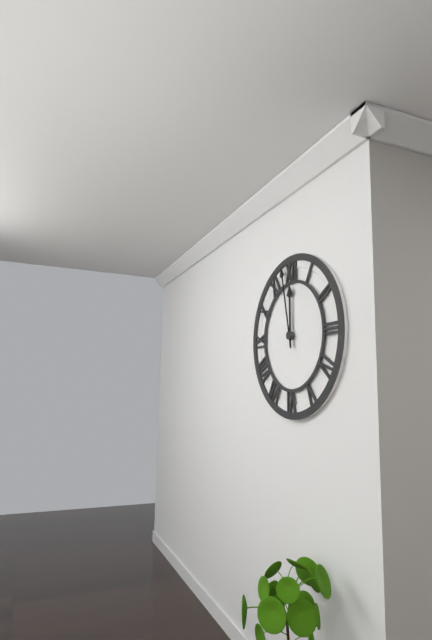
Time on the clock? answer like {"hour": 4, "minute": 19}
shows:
{"hour": 11, "minute": 58}
